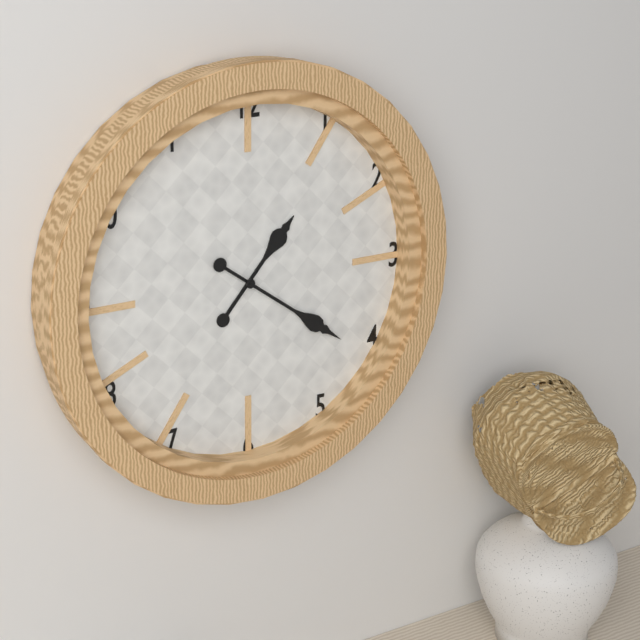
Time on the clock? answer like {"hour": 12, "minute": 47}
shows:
{"hour": 1, "minute": 21}
